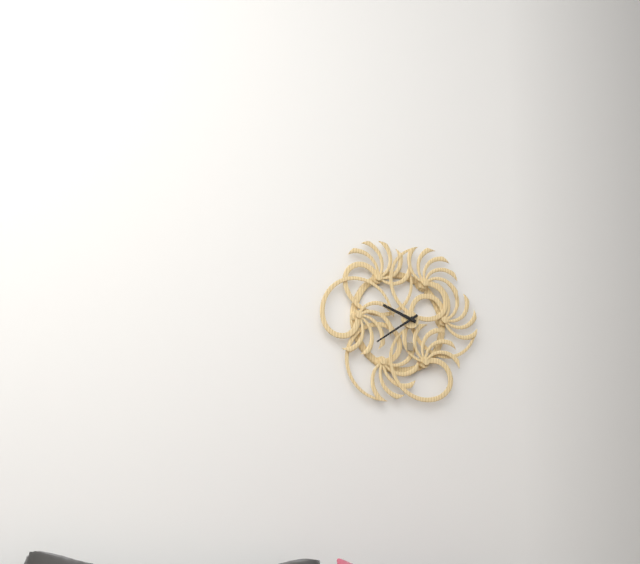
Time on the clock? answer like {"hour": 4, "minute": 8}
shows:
{"hour": 9, "minute": 39}
